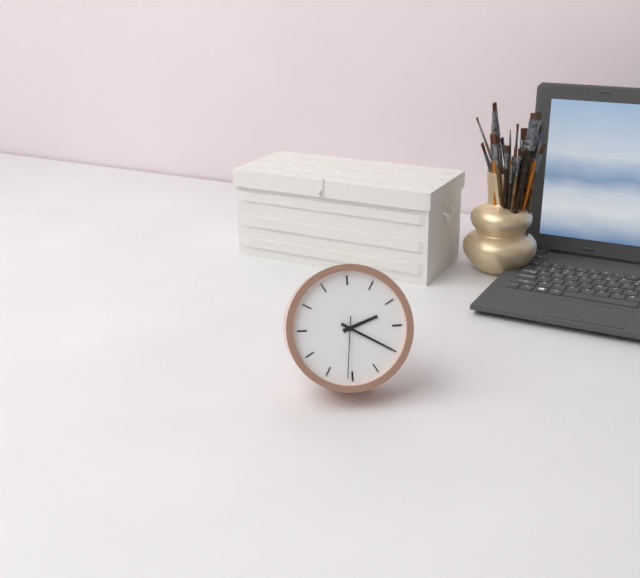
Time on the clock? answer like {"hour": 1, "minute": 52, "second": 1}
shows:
{"hour": 2, "minute": 20, "second": 31}
